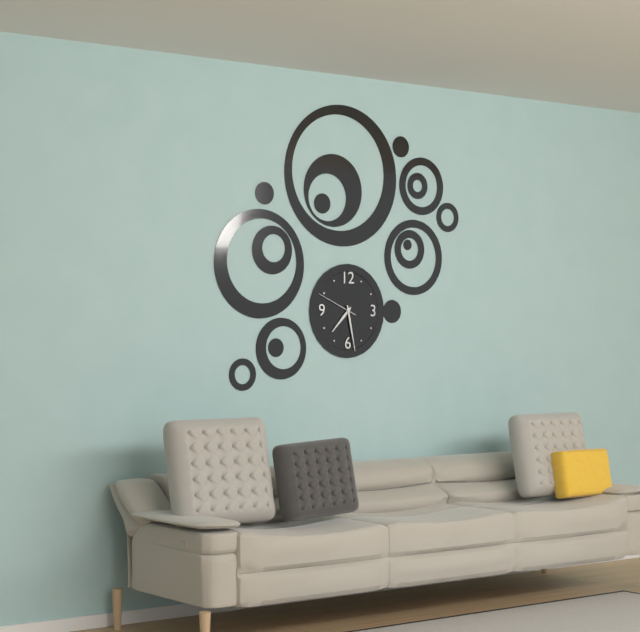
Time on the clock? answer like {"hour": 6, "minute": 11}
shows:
{"hour": 7, "minute": 28}
